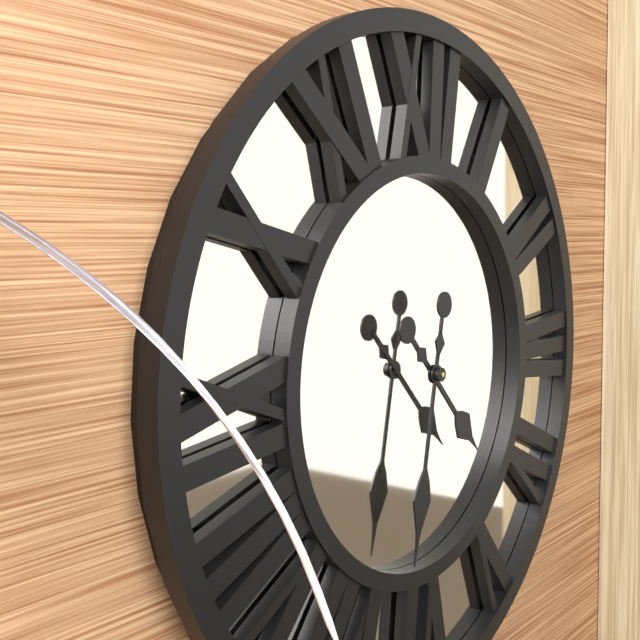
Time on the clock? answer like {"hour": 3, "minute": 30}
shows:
{"hour": 4, "minute": 32}
